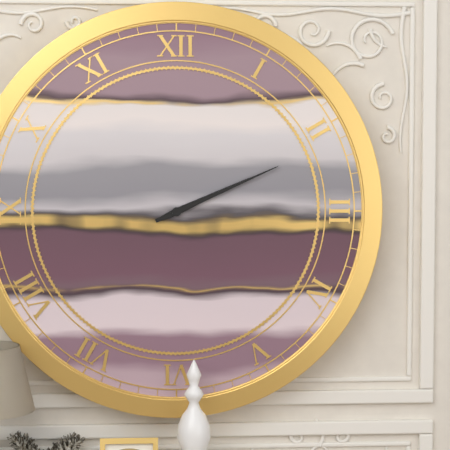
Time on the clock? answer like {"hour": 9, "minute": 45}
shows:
{"hour": 2, "minute": 11}
